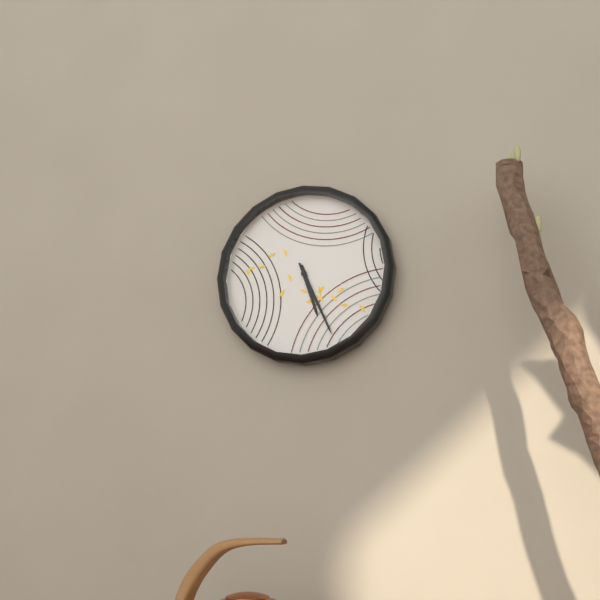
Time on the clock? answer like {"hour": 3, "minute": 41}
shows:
{"hour": 5, "minute": 26}
